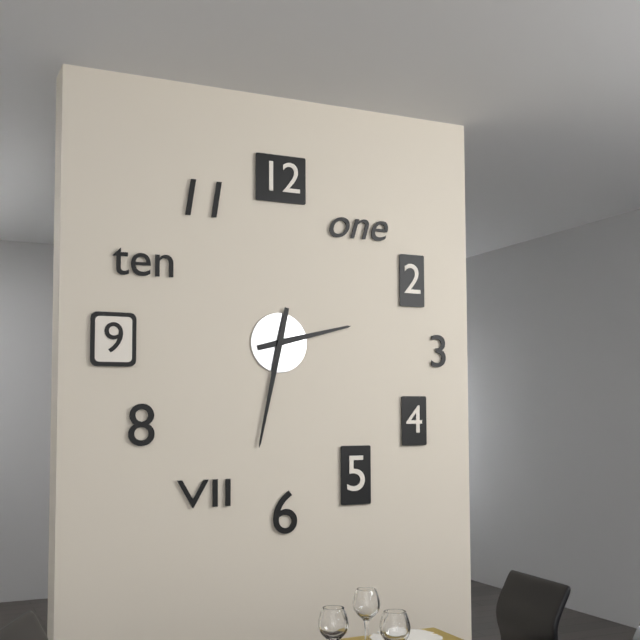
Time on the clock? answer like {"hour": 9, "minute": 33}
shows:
{"hour": 2, "minute": 32}
